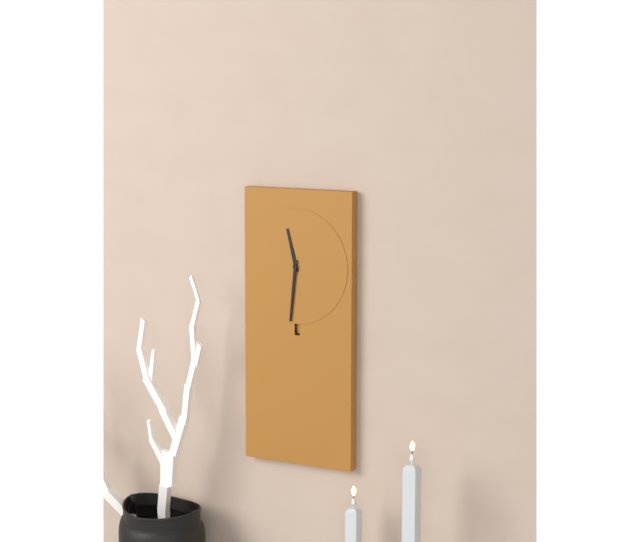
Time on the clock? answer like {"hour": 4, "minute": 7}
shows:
{"hour": 11, "minute": 31}
